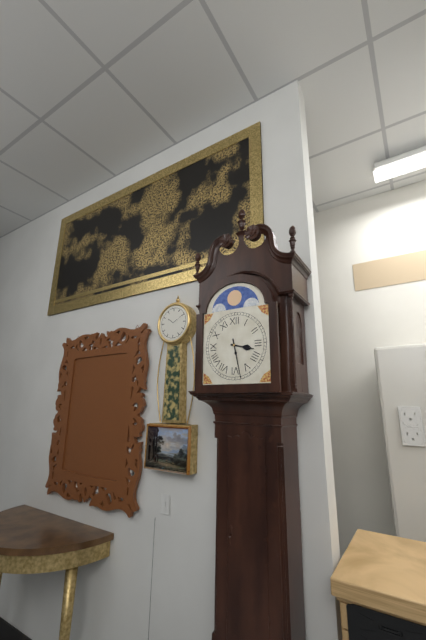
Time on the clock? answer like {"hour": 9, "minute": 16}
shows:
{"hour": 3, "minute": 28}
